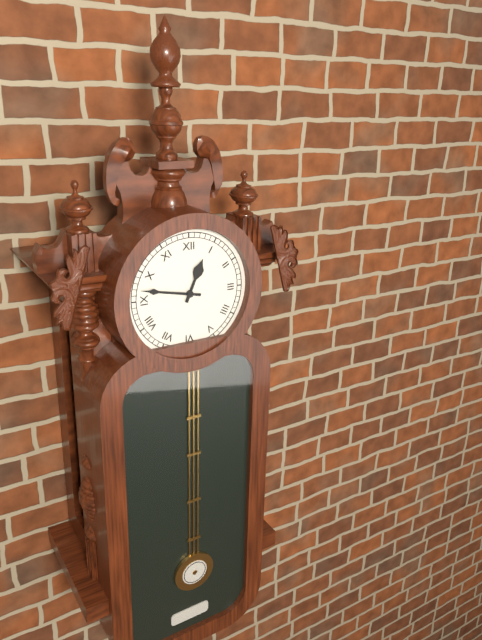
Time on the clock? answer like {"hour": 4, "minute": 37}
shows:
{"hour": 12, "minute": 47}
